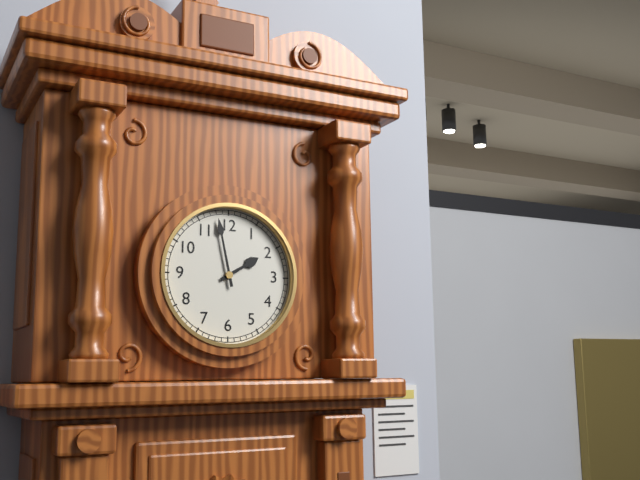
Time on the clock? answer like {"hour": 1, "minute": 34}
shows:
{"hour": 1, "minute": 58}
